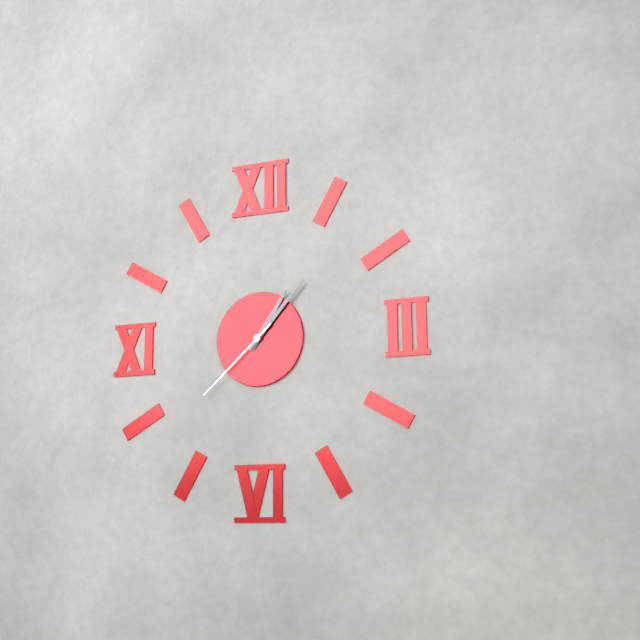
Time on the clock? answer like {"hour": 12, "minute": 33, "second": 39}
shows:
{"hour": 1, "minute": 7, "second": 38}
